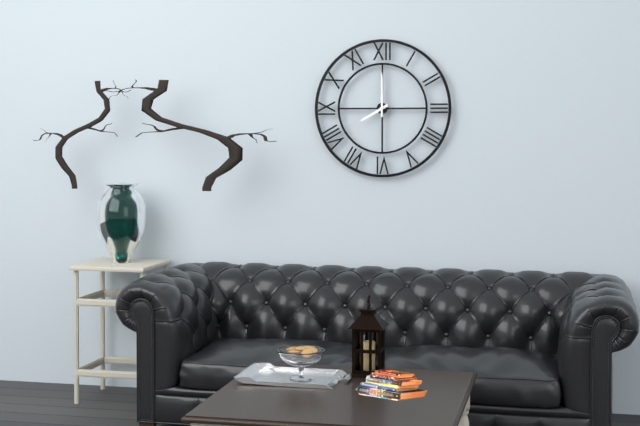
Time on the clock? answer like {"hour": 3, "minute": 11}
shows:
{"hour": 8, "minute": 0}
